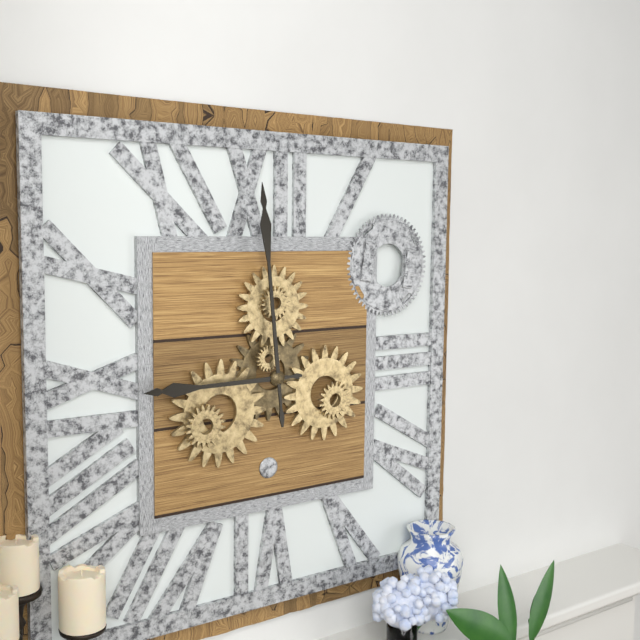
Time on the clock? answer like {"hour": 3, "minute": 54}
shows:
{"hour": 8, "minute": 59}
